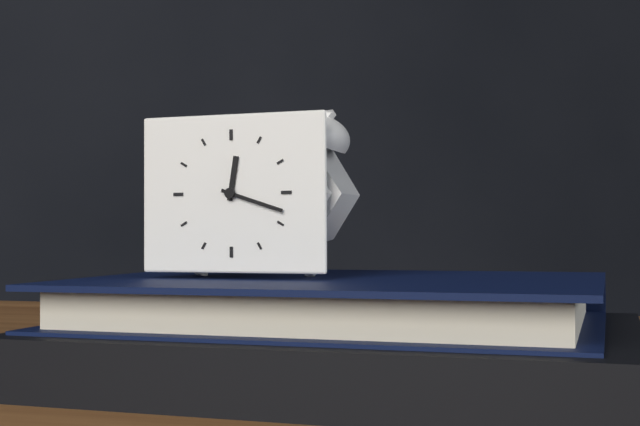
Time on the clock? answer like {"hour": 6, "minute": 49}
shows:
{"hour": 12, "minute": 18}
